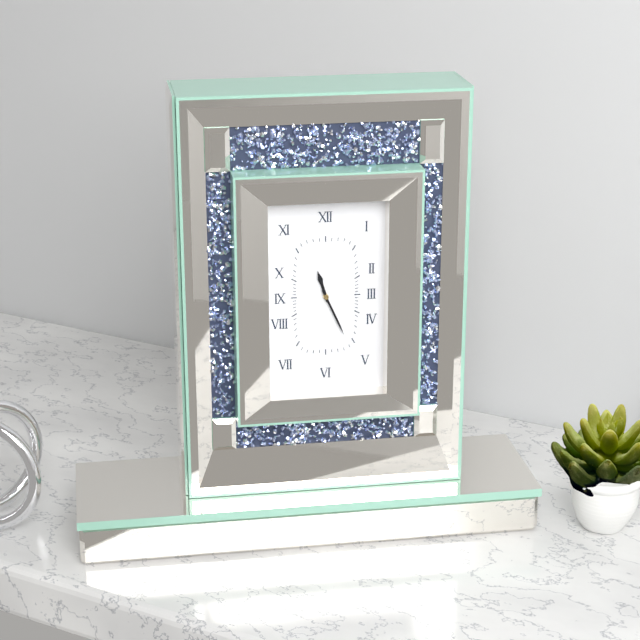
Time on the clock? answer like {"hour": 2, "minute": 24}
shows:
{"hour": 11, "minute": 26}
